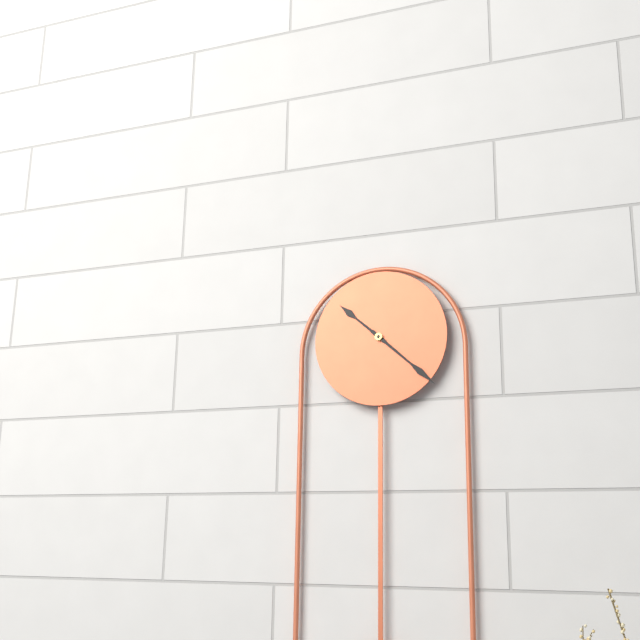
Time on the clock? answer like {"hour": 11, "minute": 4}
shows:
{"hour": 10, "minute": 22}
